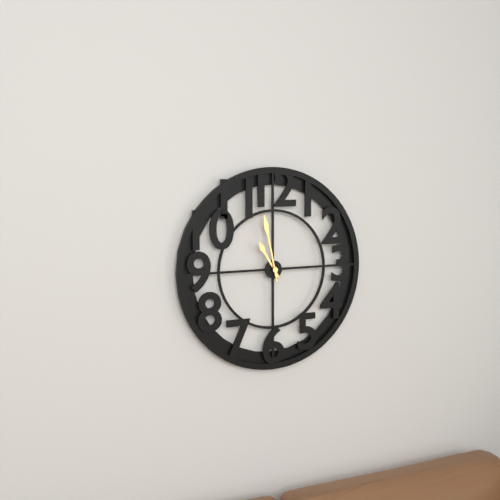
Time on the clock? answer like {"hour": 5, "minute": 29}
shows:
{"hour": 10, "minute": 58}
